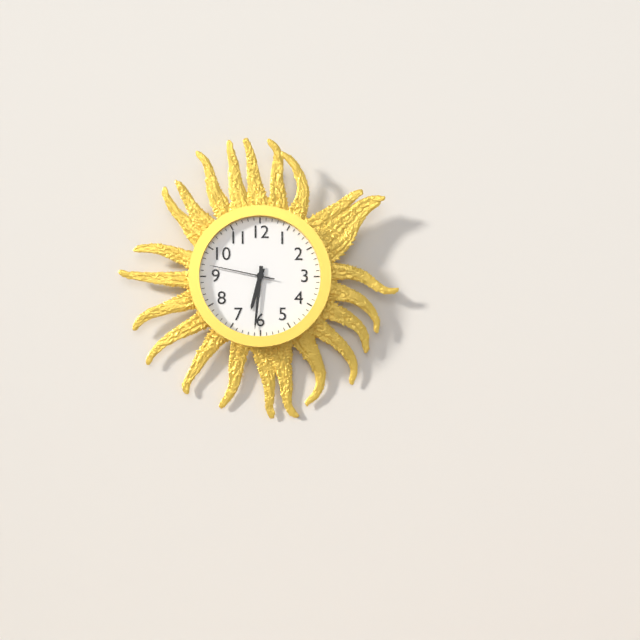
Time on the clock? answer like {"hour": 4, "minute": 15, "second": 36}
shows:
{"hour": 6, "minute": 31, "second": 47}
